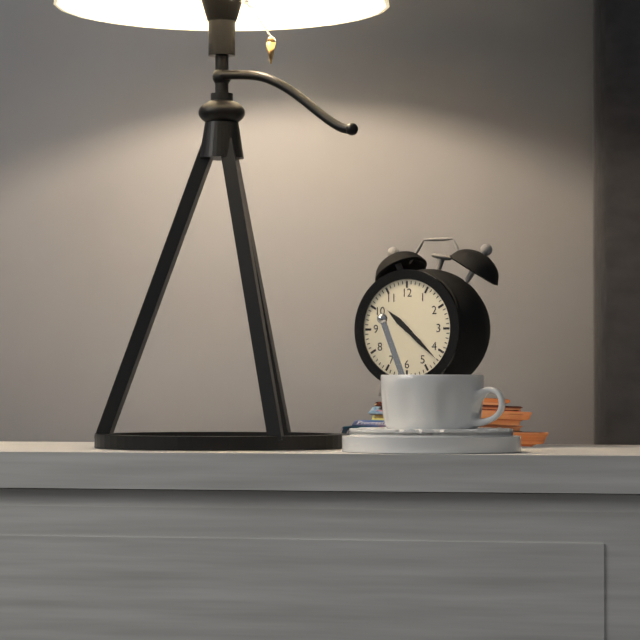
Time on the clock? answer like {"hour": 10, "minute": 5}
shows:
{"hour": 10, "minute": 22}
